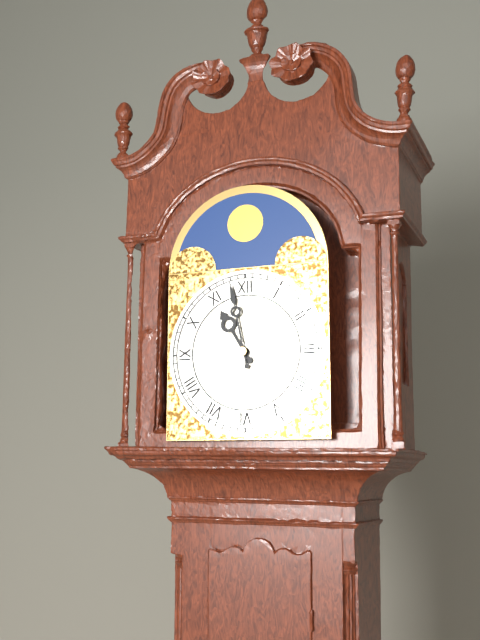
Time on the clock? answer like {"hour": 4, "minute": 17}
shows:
{"hour": 10, "minute": 58}
